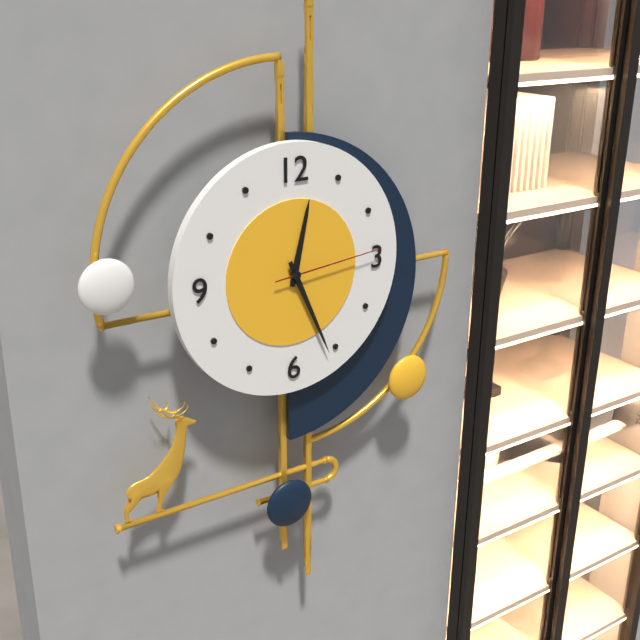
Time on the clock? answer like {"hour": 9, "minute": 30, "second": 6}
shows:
{"hour": 12, "minute": 26, "second": 14}
